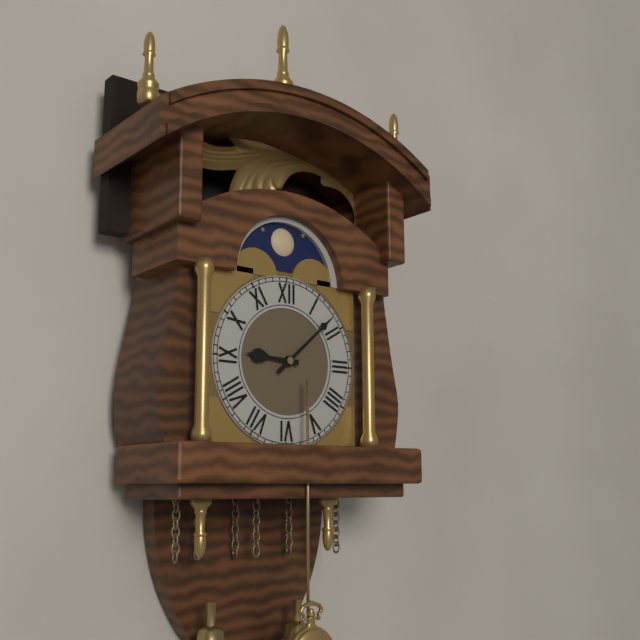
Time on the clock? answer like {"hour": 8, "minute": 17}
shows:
{"hour": 9, "minute": 8}
